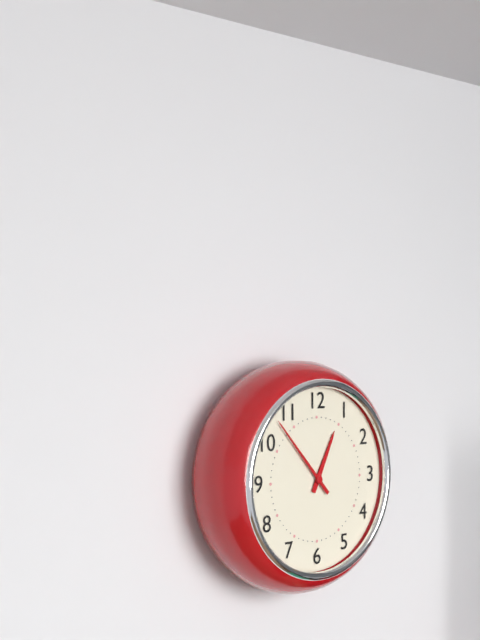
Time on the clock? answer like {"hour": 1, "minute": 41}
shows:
{"hour": 12, "minute": 53}
